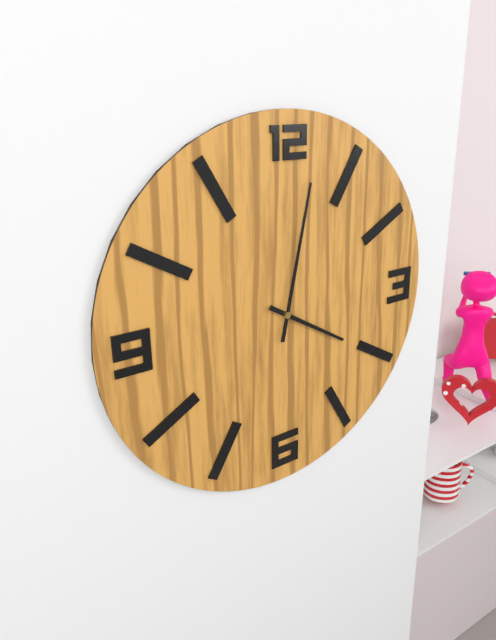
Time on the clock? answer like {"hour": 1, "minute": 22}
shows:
{"hour": 4, "minute": 2}
